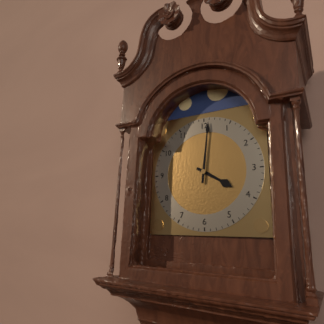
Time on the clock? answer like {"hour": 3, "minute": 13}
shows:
{"hour": 4, "minute": 1}
